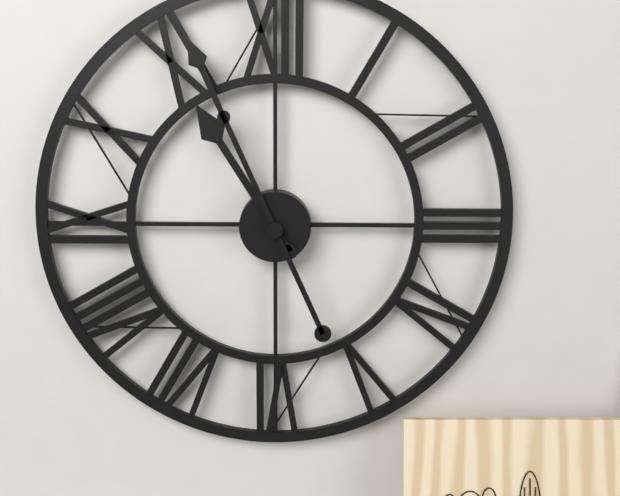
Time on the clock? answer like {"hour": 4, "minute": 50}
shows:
{"hour": 10, "minute": 56}
